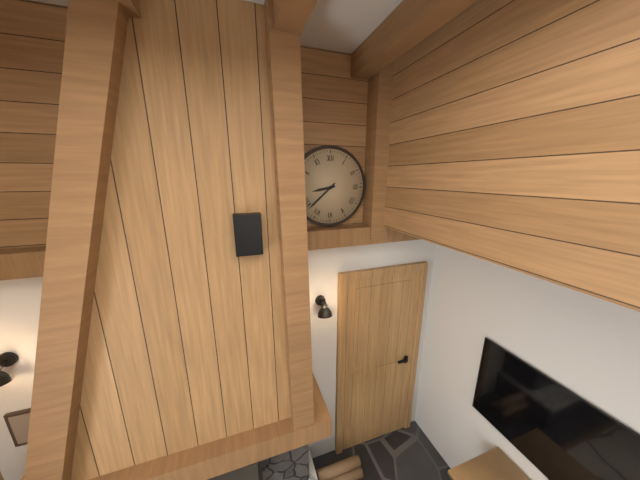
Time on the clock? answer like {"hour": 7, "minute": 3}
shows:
{"hour": 8, "minute": 38}
